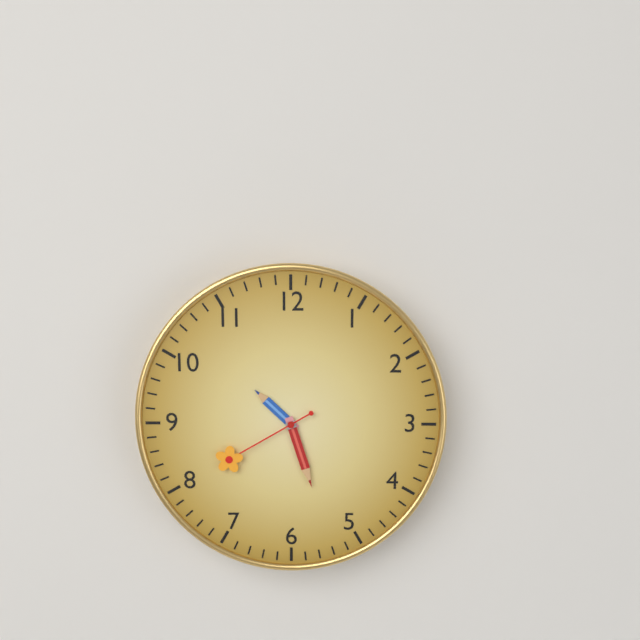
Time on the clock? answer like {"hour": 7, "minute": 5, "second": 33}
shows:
{"hour": 10, "minute": 27, "second": 40}
